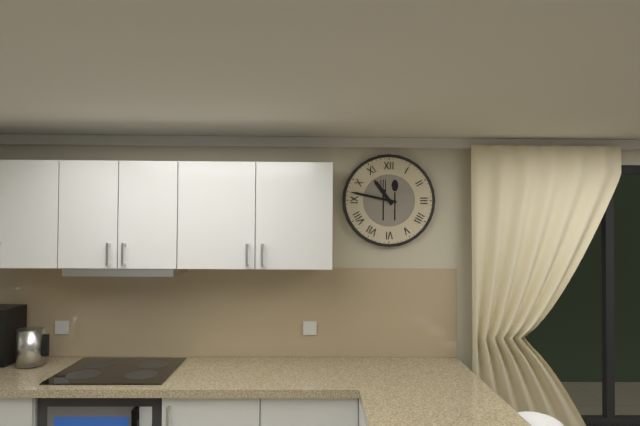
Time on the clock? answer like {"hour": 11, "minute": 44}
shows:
{"hour": 10, "minute": 47}
